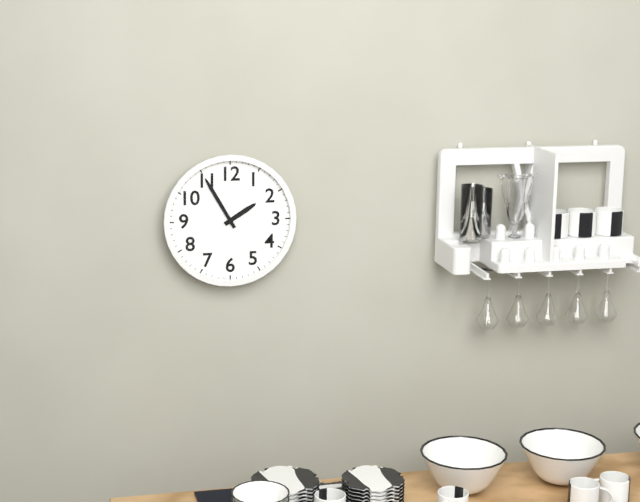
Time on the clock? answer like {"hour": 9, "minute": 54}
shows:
{"hour": 1, "minute": 55}
